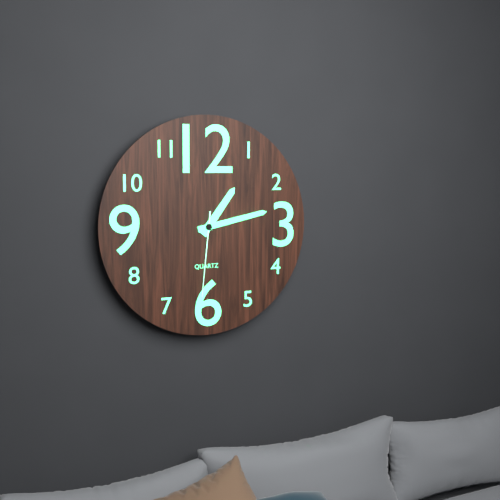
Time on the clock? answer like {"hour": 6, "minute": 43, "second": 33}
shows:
{"hour": 1, "minute": 13, "second": 31}
